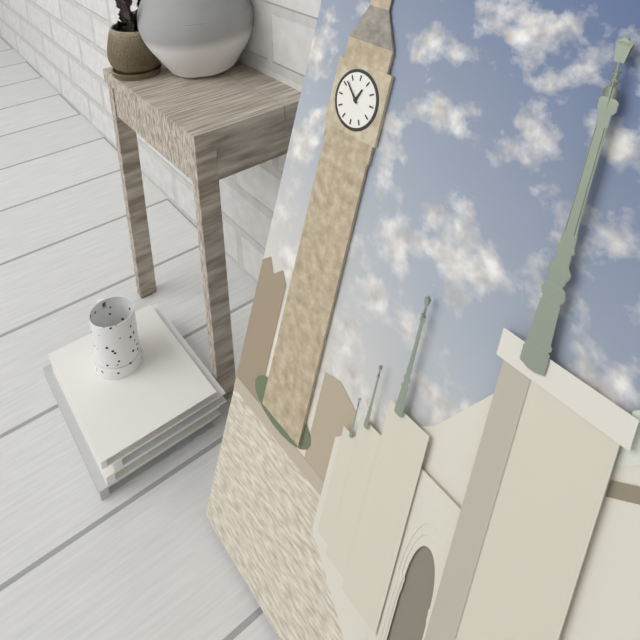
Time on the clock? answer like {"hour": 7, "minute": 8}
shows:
{"hour": 12, "minute": 52}
